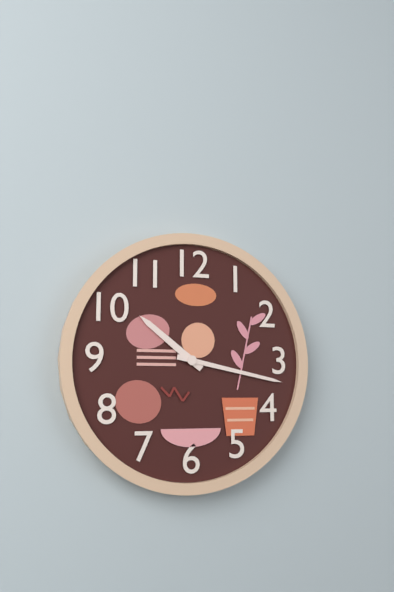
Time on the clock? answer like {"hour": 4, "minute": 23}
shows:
{"hour": 10, "minute": 17}
